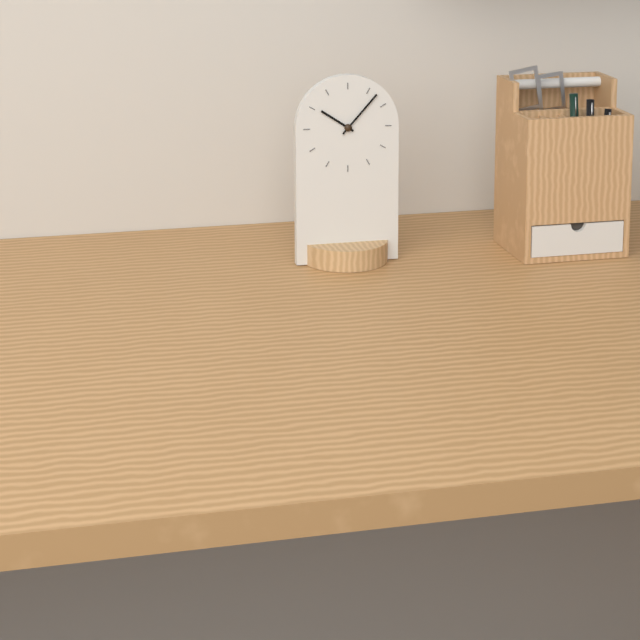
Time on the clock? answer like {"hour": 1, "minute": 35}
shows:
{"hour": 10, "minute": 7}
